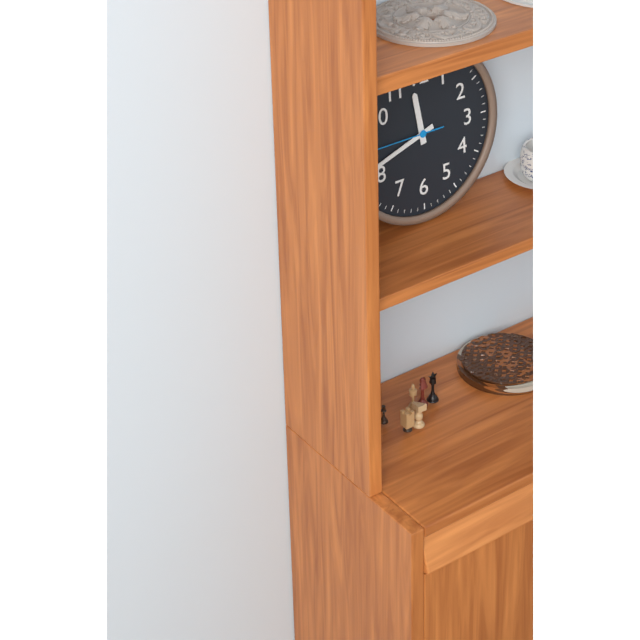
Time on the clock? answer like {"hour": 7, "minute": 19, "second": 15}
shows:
{"hour": 11, "minute": 42, "second": 45}
